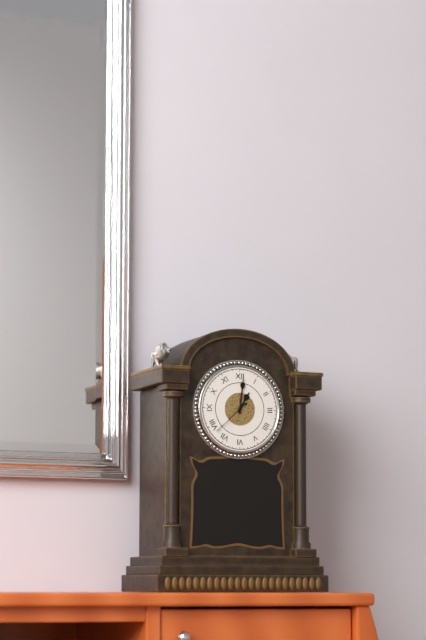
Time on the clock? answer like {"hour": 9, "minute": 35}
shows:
{"hour": 1, "minute": 1}
